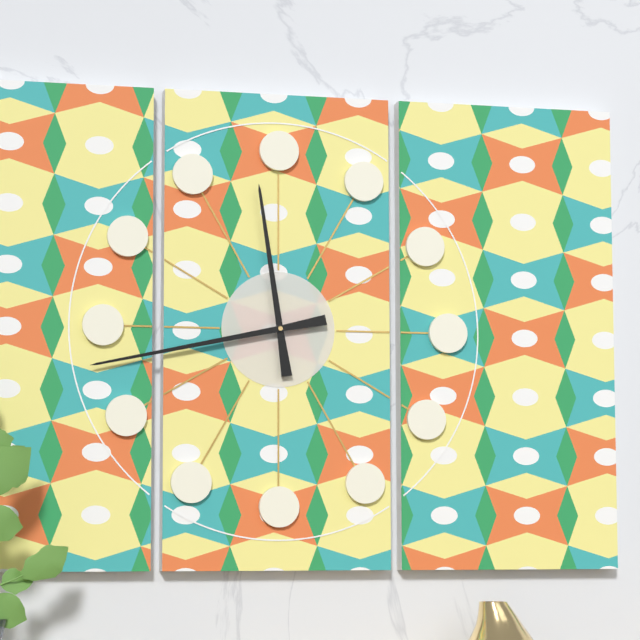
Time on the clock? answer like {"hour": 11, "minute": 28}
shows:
{"hour": 11, "minute": 43}
